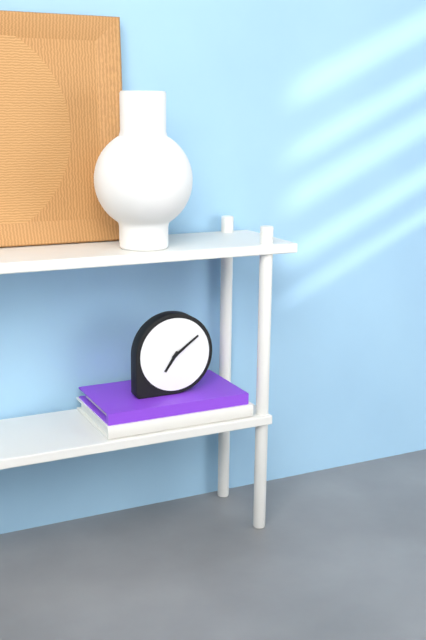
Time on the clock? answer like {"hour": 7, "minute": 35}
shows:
{"hour": 7, "minute": 9}
